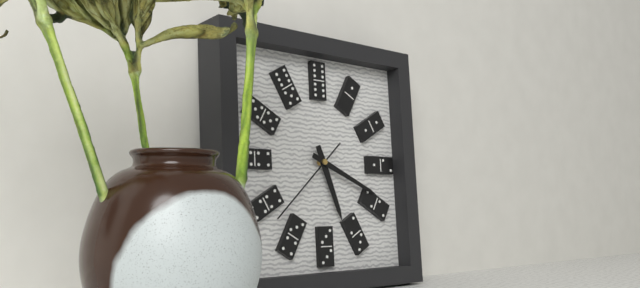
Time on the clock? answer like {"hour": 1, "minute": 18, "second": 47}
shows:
{"hour": 5, "minute": 19, "second": 38}
